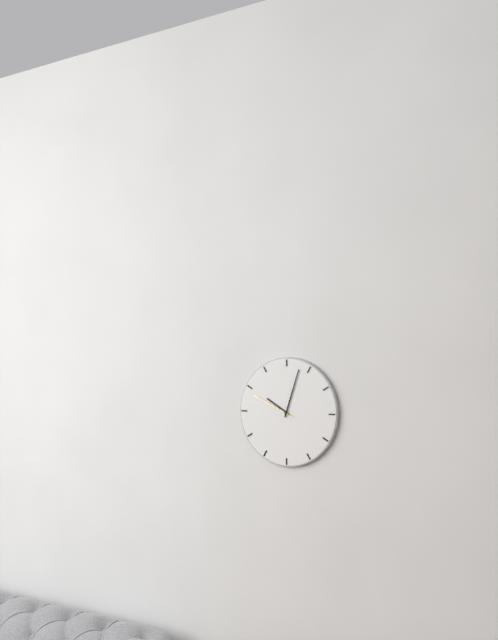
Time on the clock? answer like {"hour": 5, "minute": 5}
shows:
{"hour": 10, "minute": 3}
